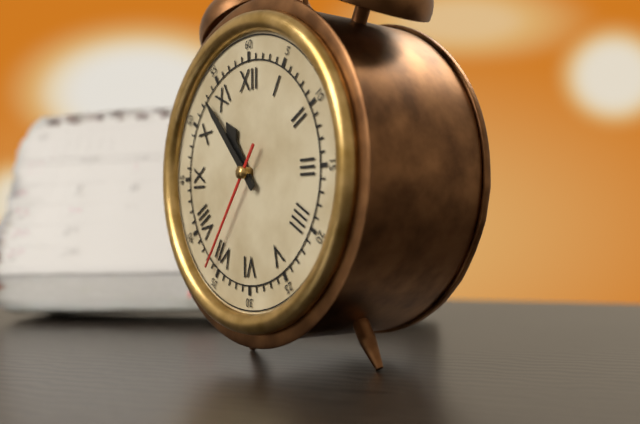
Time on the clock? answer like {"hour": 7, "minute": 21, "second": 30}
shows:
{"hour": 10, "minute": 53, "second": 36}
